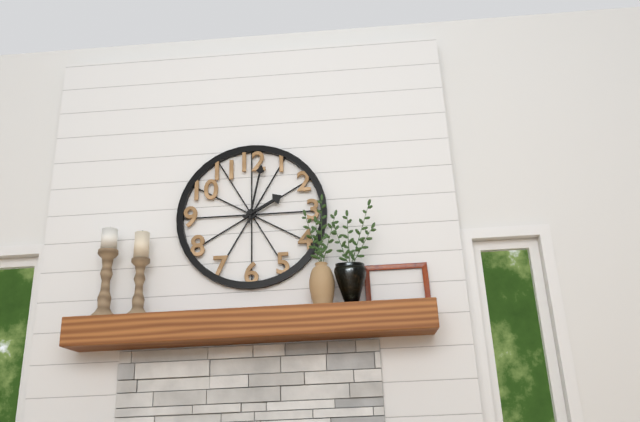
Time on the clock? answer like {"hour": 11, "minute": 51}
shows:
{"hour": 2, "minute": 2}
